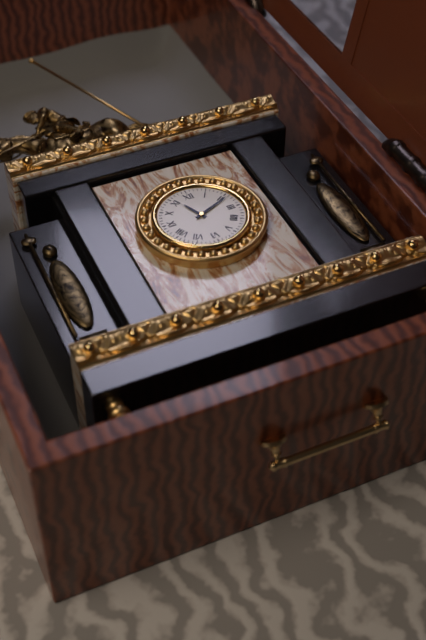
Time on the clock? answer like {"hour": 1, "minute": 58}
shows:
{"hour": 11, "minute": 11}
